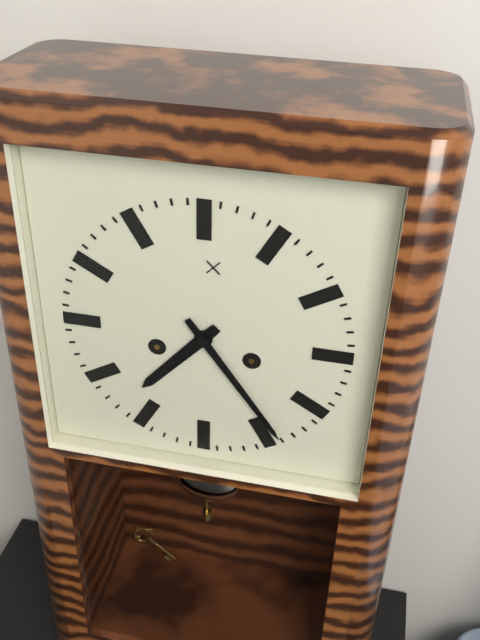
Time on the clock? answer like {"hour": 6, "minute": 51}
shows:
{"hour": 7, "minute": 24}
